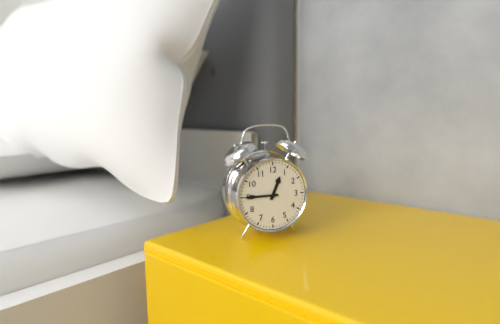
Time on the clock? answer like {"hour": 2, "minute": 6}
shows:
{"hour": 12, "minute": 45}
